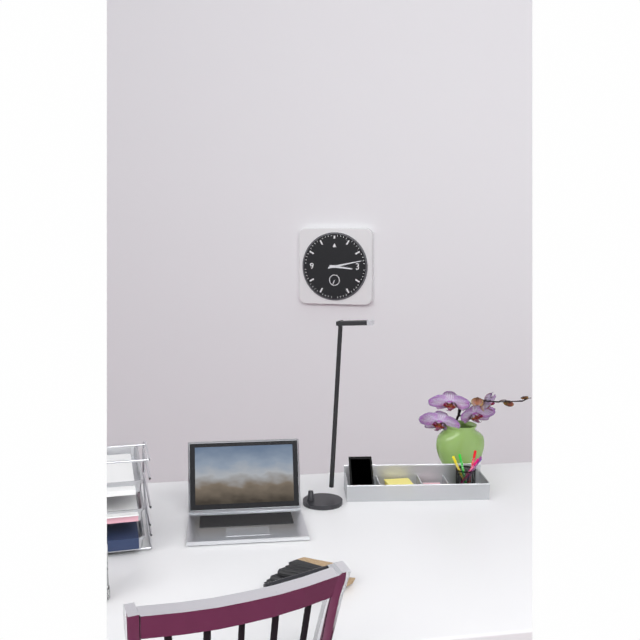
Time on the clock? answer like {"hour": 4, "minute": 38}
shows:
{"hour": 3, "minute": 13}
